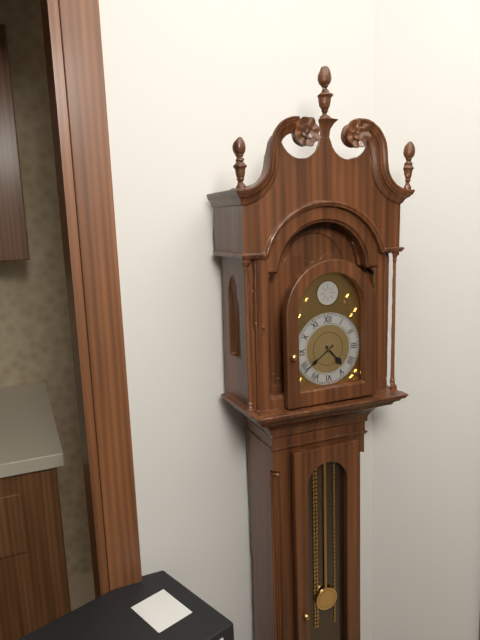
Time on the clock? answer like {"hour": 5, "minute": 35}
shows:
{"hour": 4, "minute": 39}
